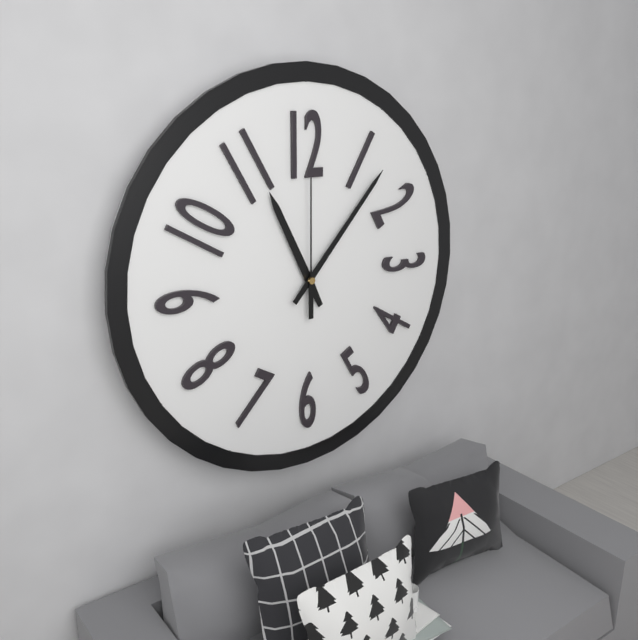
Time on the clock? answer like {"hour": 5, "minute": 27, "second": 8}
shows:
{"hour": 11, "minute": 7, "second": 0}
